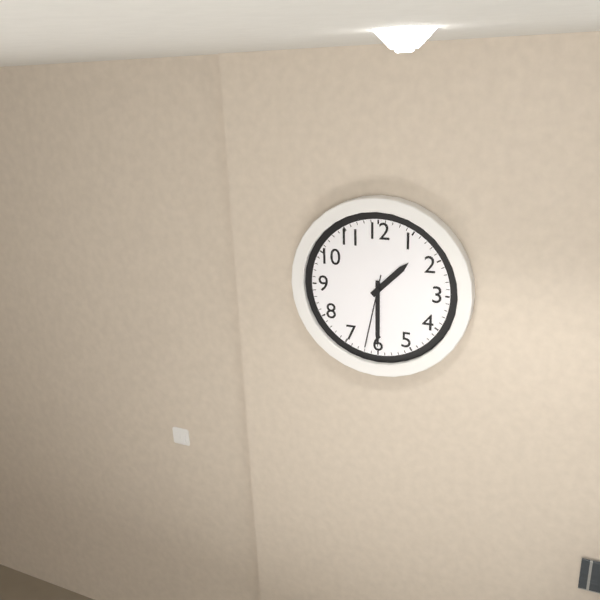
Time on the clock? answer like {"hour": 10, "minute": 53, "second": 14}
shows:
{"hour": 1, "minute": 30, "second": 32}
